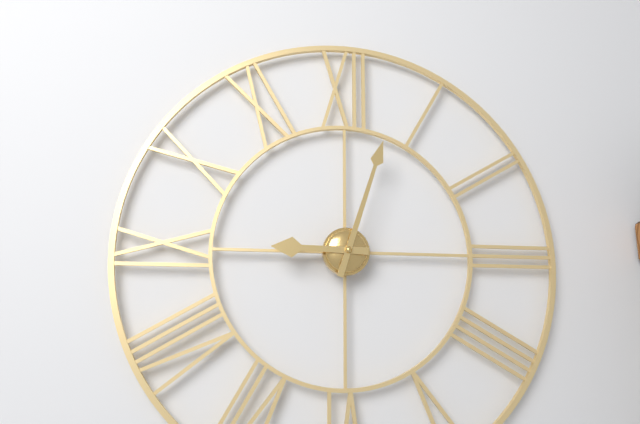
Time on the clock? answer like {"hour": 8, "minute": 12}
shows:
{"hour": 9, "minute": 3}
